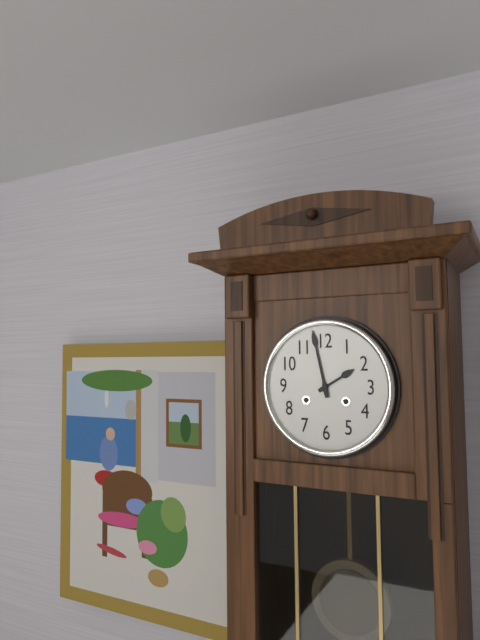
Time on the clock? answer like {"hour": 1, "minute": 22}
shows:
{"hour": 1, "minute": 58}
